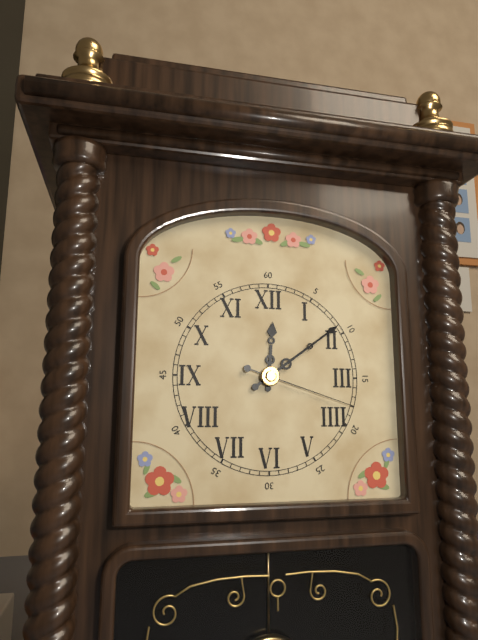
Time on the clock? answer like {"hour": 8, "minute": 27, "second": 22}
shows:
{"hour": 12, "minute": 9, "second": 18}
